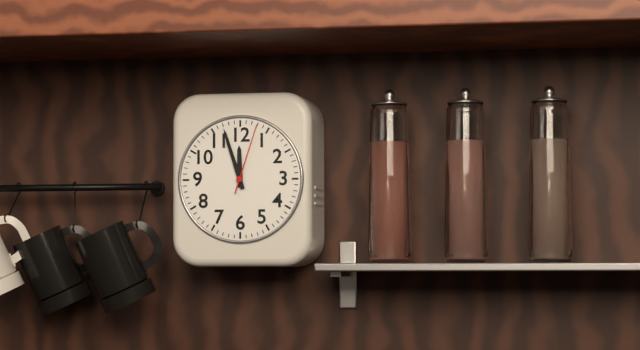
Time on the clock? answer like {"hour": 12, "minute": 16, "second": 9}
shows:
{"hour": 11, "minute": 57, "second": 3}
